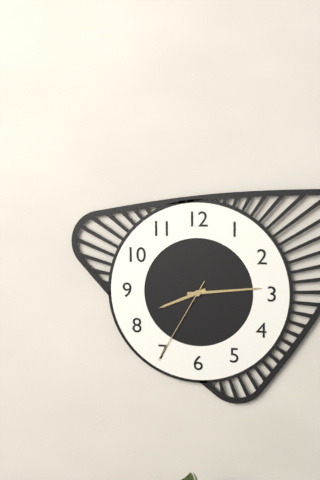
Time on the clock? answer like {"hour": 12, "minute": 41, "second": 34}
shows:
{"hour": 8, "minute": 14, "second": 35}
